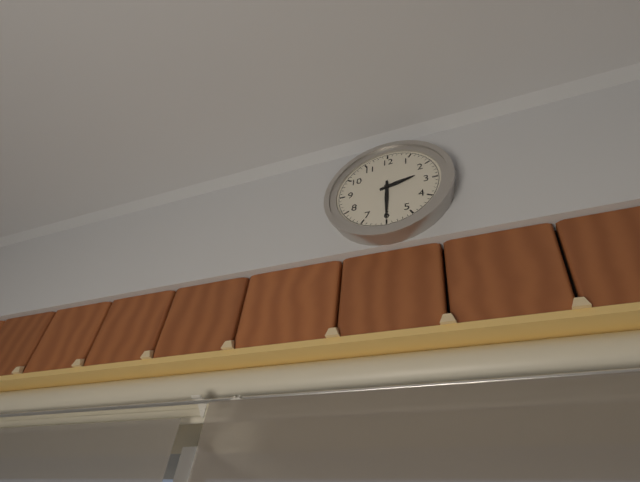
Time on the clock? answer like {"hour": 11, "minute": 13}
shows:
{"hour": 2, "minute": 30}
